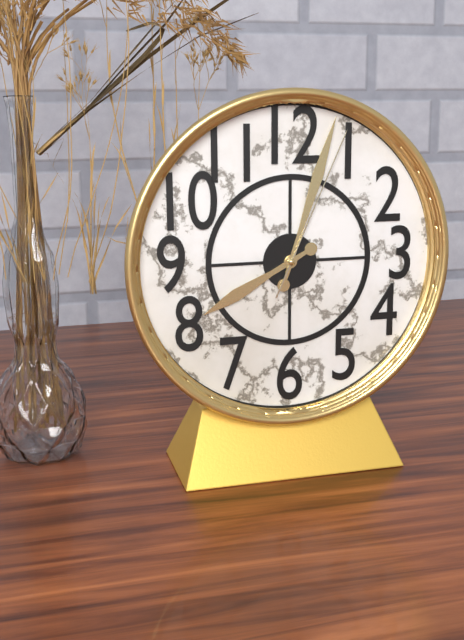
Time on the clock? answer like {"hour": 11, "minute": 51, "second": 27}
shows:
{"hour": 8, "minute": 3, "second": 4}
